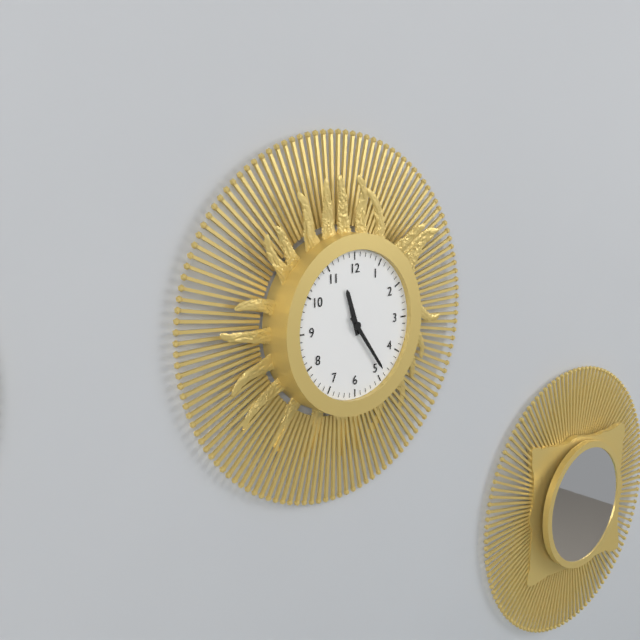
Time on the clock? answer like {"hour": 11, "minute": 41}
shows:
{"hour": 11, "minute": 24}
